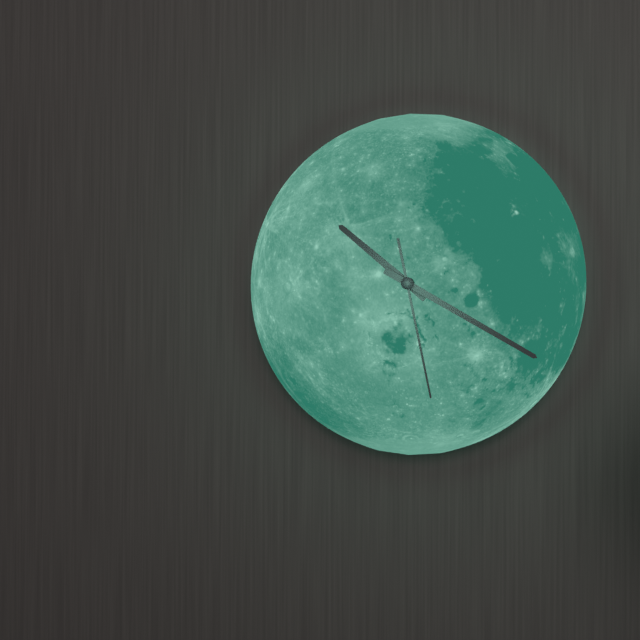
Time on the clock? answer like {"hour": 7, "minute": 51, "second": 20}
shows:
{"hour": 10, "minute": 20, "second": 28}
